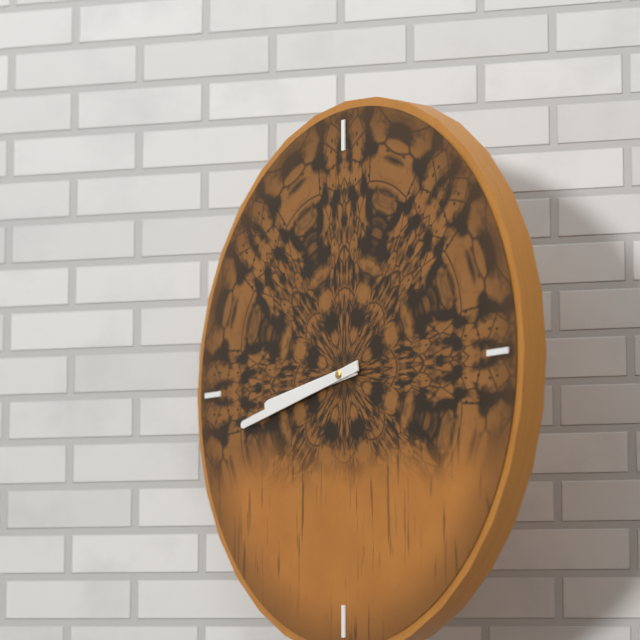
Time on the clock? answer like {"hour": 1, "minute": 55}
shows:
{"hour": 8, "minute": 43}
